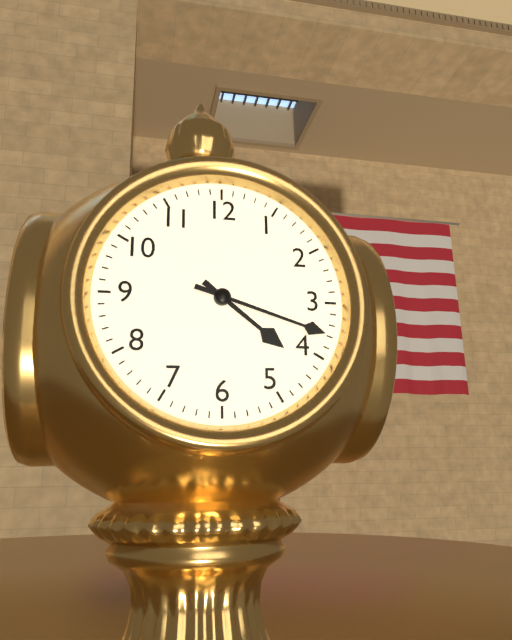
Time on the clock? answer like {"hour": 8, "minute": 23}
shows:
{"hour": 4, "minute": 18}
